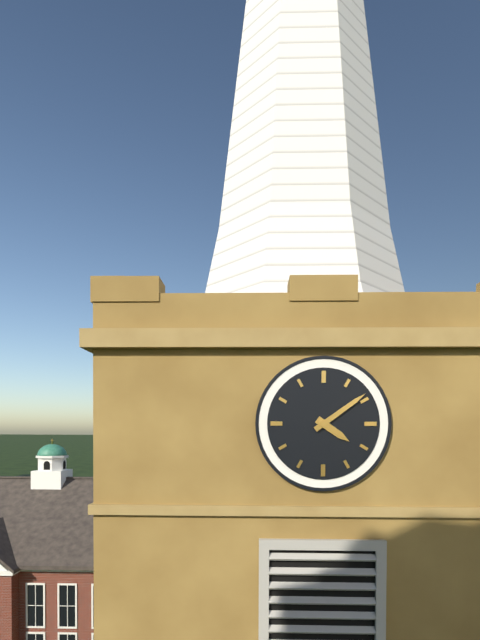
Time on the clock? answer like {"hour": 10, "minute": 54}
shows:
{"hour": 4, "minute": 9}
